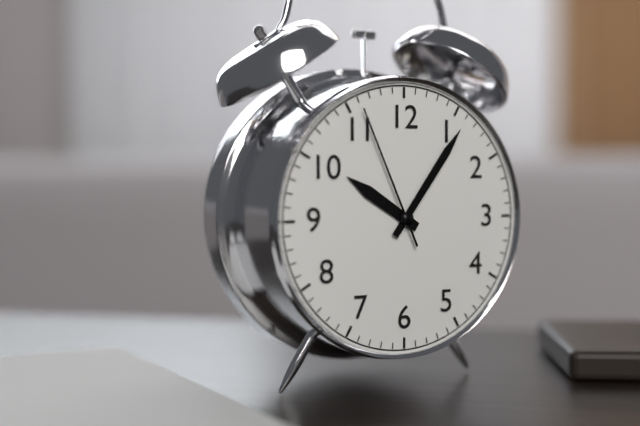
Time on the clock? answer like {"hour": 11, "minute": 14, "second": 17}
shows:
{"hour": 10, "minute": 6, "second": 56}
